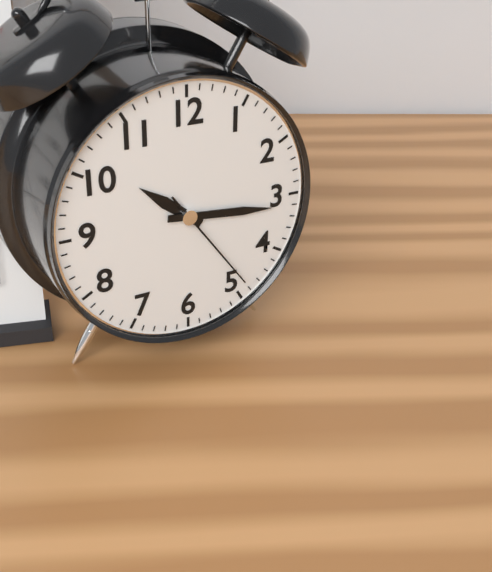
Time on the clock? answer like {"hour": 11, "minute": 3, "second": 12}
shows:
{"hour": 10, "minute": 16, "second": 24}
